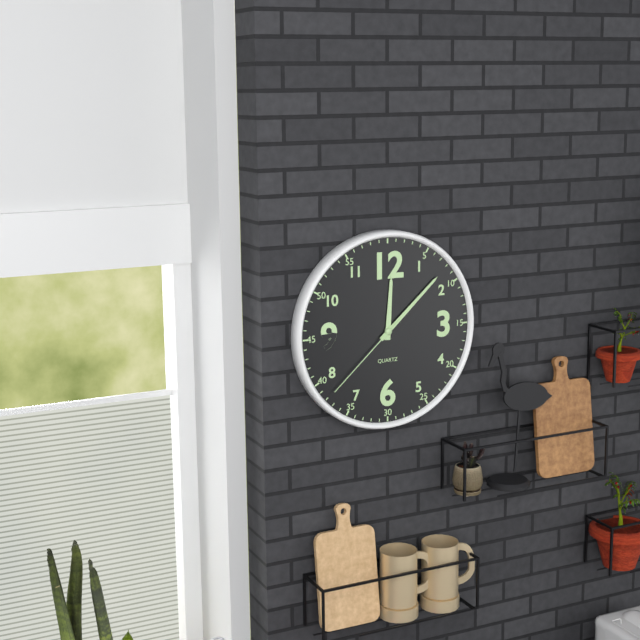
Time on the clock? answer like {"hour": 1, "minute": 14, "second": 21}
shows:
{"hour": 12, "minute": 8, "second": 38}
